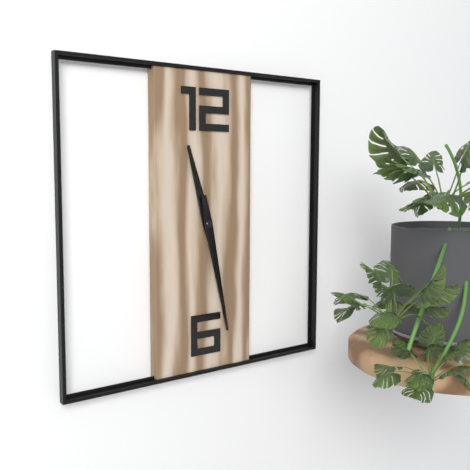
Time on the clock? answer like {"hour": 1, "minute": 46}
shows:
{"hour": 11, "minute": 28}
